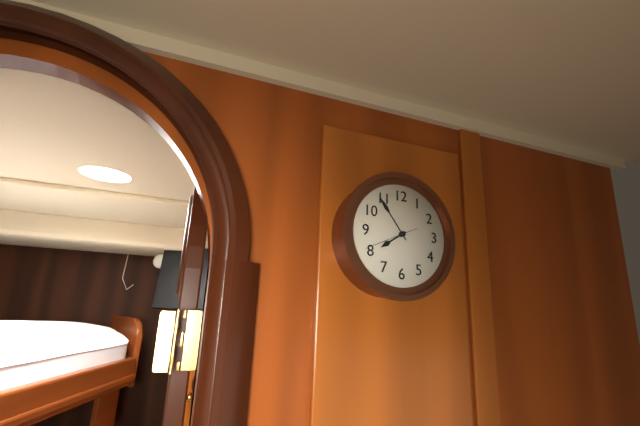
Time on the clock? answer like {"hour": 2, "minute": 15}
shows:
{"hour": 7, "minute": 54}
